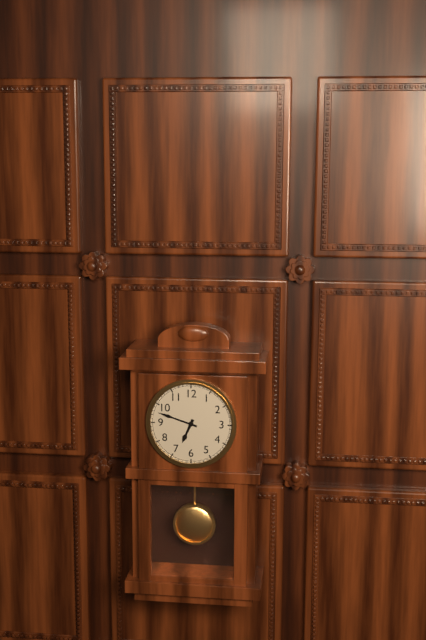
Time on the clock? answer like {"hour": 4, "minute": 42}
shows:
{"hour": 6, "minute": 48}
